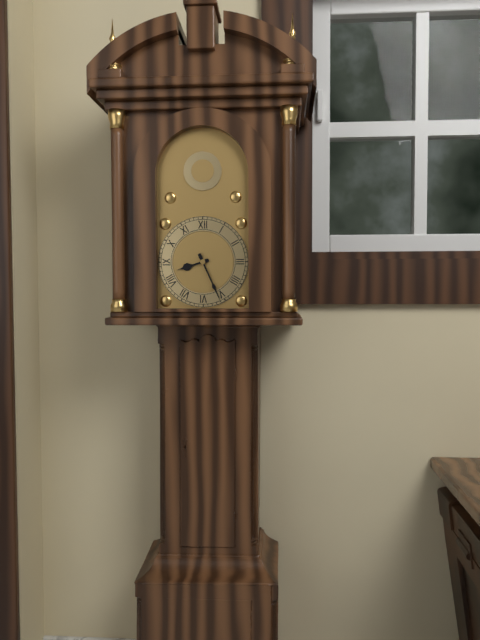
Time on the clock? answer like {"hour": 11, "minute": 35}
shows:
{"hour": 8, "minute": 26}
